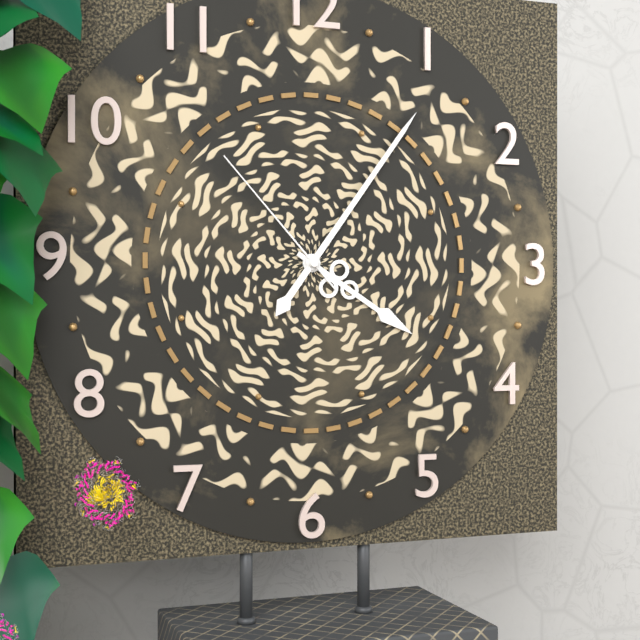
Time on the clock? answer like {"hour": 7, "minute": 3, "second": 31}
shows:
{"hour": 4, "minute": 6, "second": 53}
